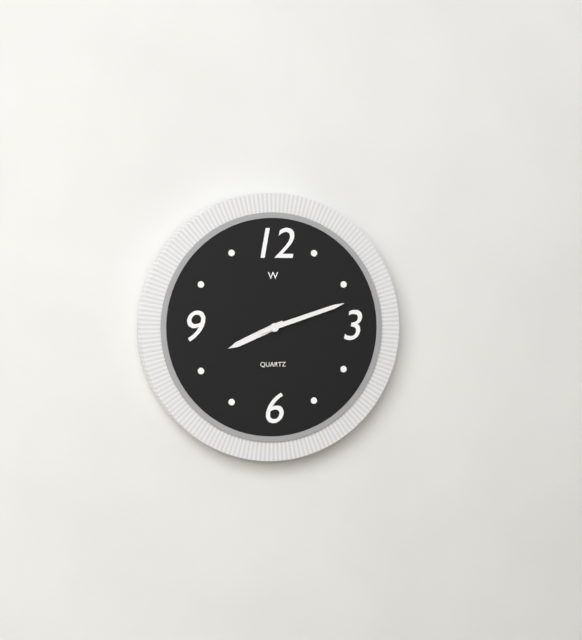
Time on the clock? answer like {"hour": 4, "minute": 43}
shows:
{"hour": 8, "minute": 12}
